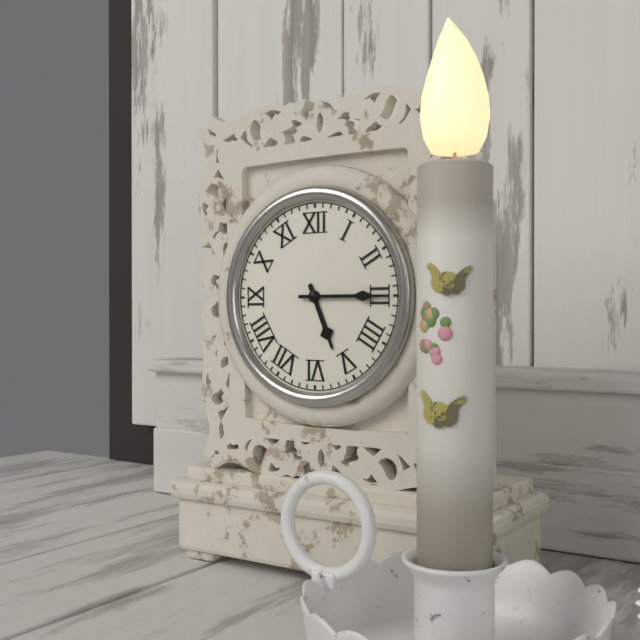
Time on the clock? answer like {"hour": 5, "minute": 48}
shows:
{"hour": 5, "minute": 15}
